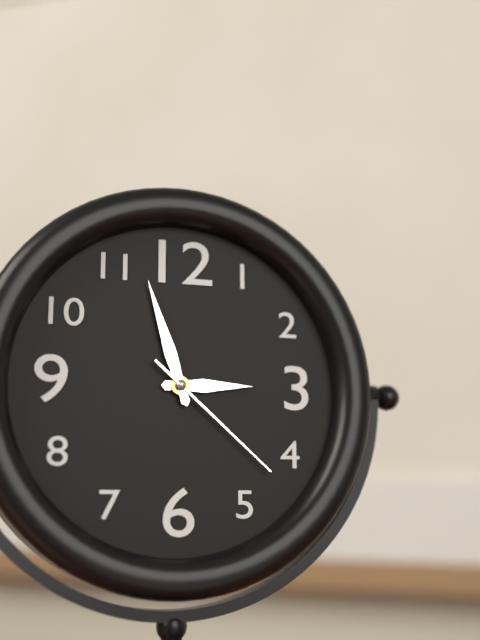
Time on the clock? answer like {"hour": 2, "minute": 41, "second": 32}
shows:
{"hour": 2, "minute": 57, "second": 22}
